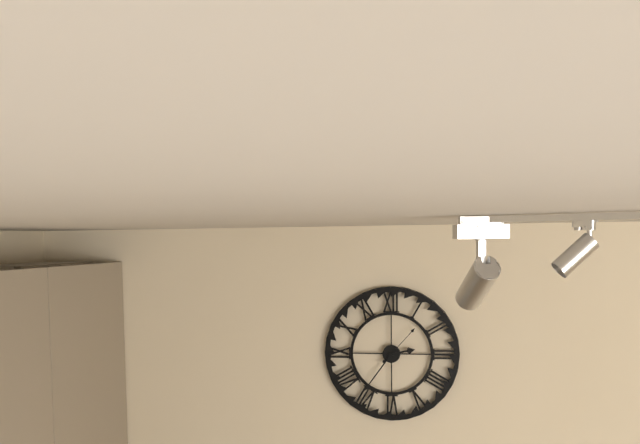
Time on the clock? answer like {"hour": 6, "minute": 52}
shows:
{"hour": 2, "minute": 36}
